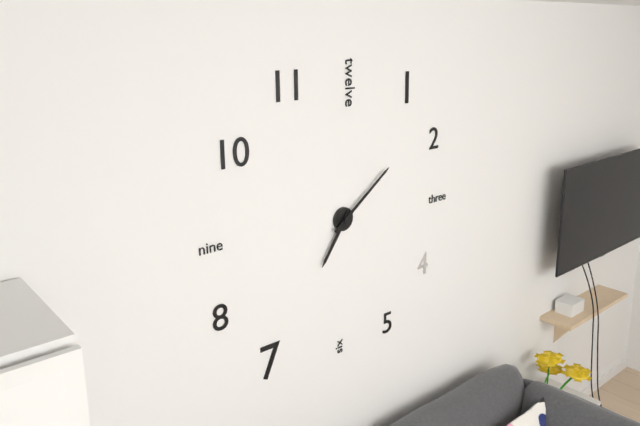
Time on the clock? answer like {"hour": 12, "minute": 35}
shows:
{"hour": 7, "minute": 9}
